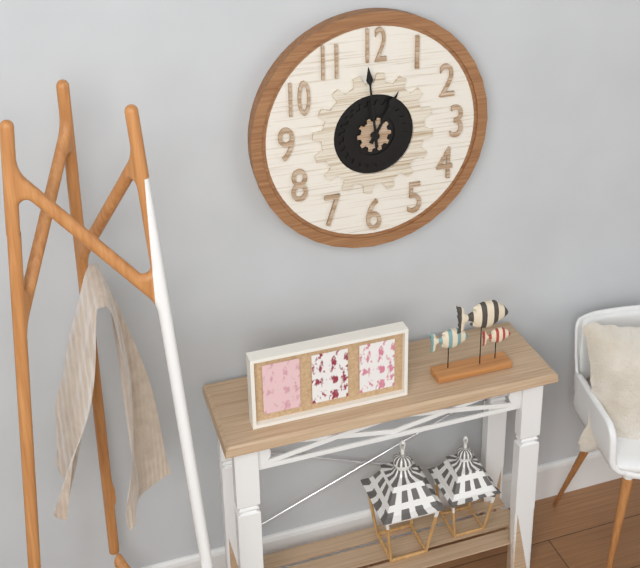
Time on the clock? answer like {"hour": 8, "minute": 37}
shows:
{"hour": 12, "minute": 59}
